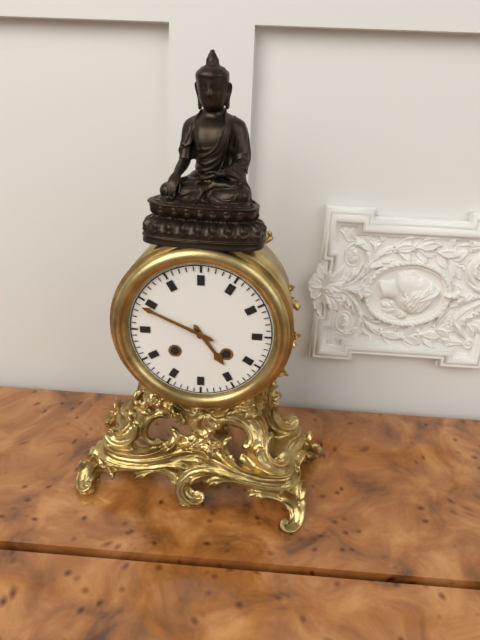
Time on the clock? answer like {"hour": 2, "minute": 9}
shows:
{"hour": 4, "minute": 49}
